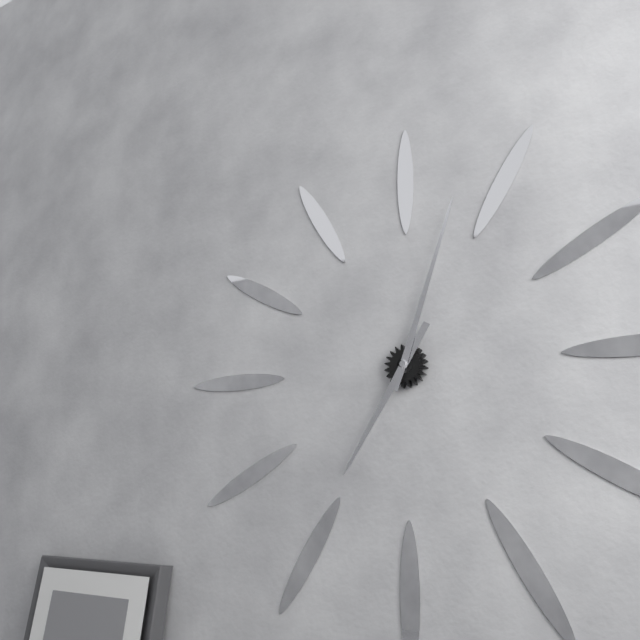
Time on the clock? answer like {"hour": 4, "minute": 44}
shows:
{"hour": 7, "minute": 3}
